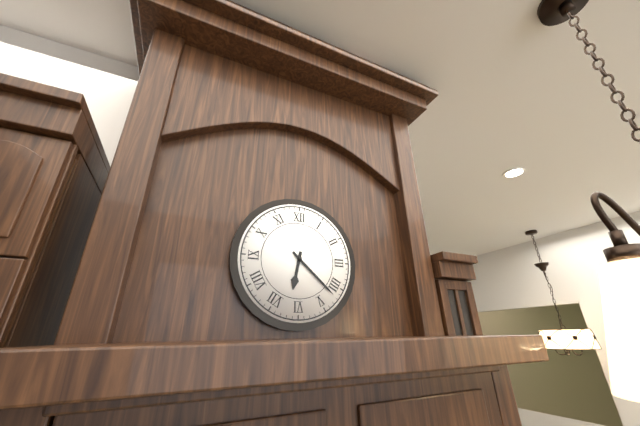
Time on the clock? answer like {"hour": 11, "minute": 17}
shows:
{"hour": 6, "minute": 22}
